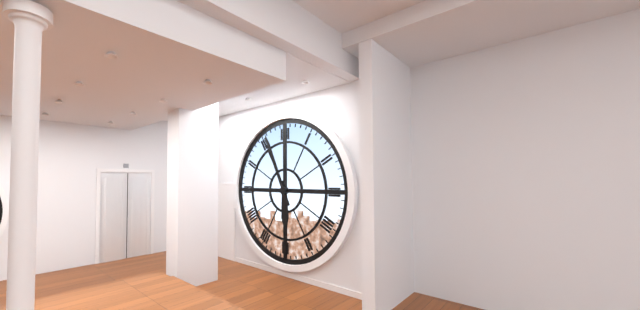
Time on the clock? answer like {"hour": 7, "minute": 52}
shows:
{"hour": 5, "minute": 56}
